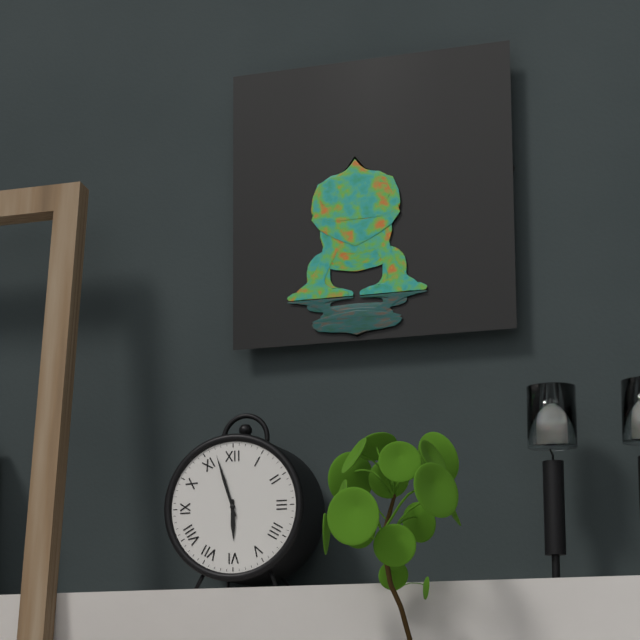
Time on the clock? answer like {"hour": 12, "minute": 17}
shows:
{"hour": 5, "minute": 57}
